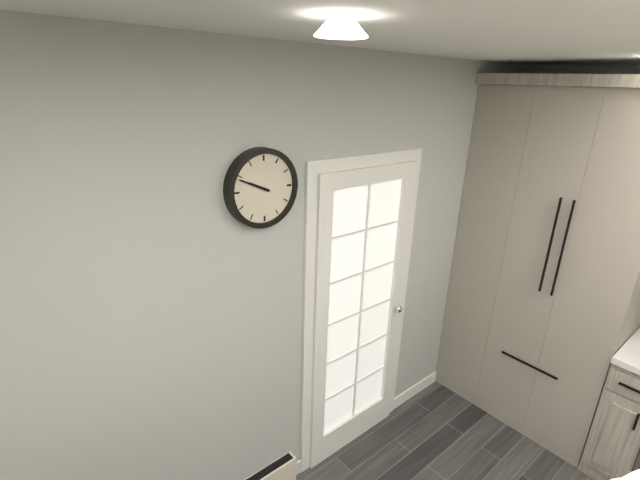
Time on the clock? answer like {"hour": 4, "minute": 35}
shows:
{"hour": 9, "minute": 49}
